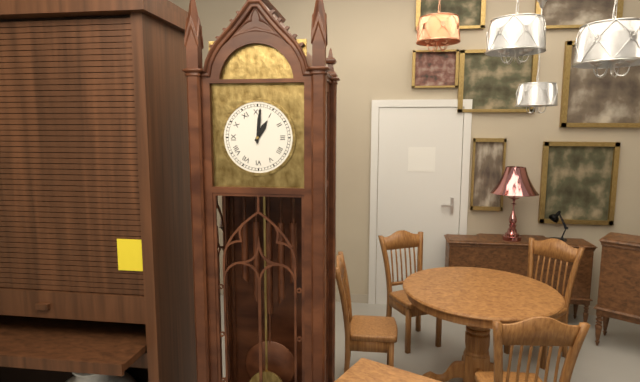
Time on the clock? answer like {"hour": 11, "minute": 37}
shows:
{"hour": 1, "minute": 1}
